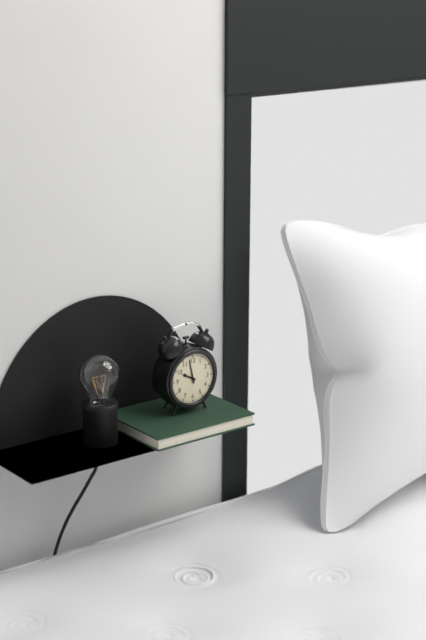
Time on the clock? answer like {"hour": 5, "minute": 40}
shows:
{"hour": 9, "minute": 58}
